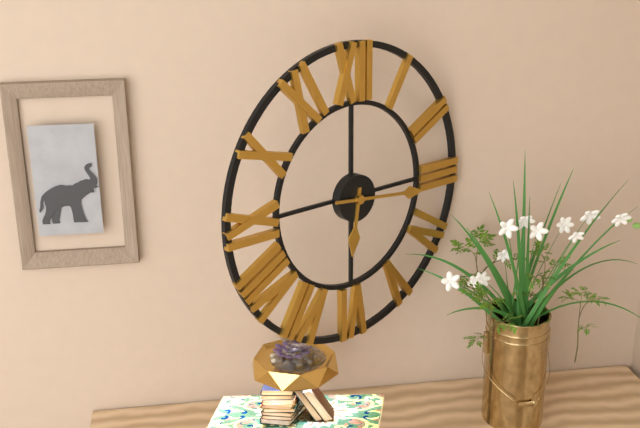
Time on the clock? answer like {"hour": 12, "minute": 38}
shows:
{"hour": 6, "minute": 16}
